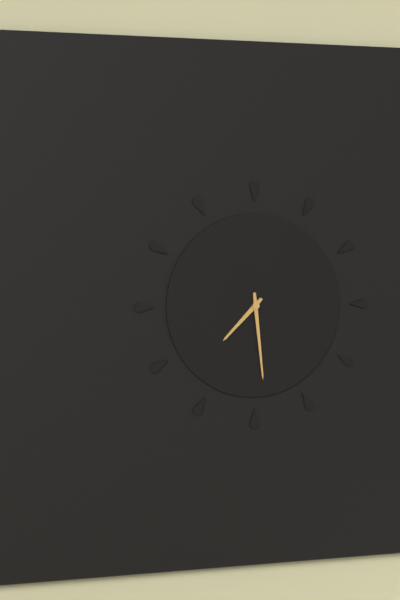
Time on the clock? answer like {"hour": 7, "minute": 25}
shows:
{"hour": 7, "minute": 29}
